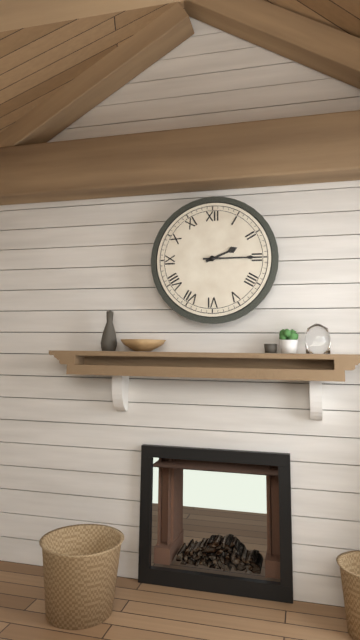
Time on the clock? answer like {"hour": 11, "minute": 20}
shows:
{"hour": 2, "minute": 15}
